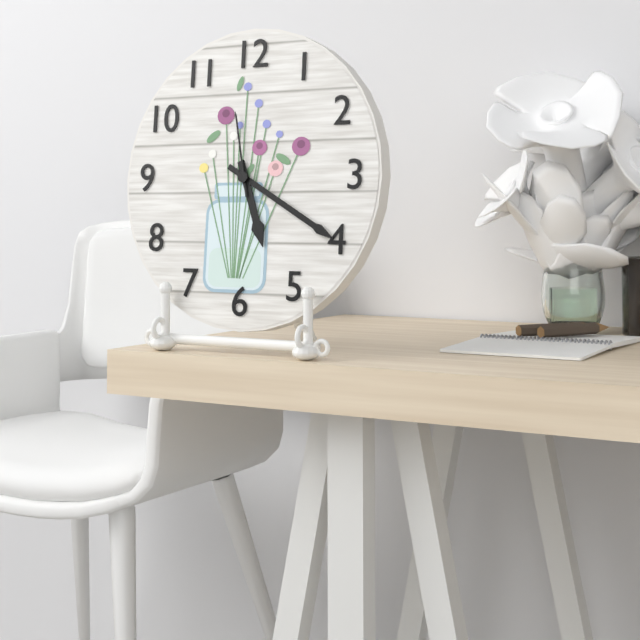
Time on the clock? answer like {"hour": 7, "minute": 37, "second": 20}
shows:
{"hour": 5, "minute": 20, "second": 58}
